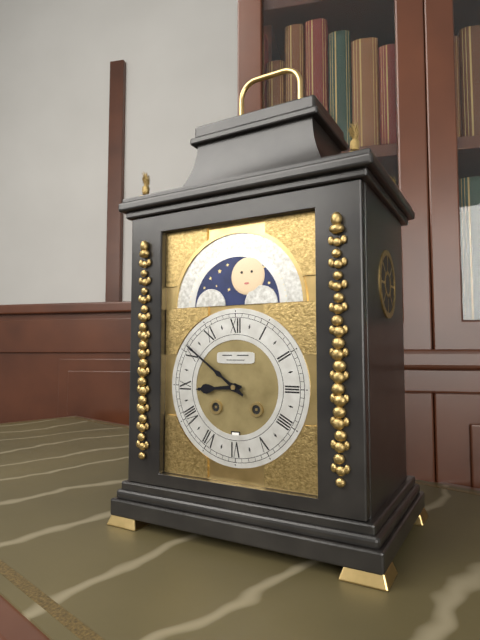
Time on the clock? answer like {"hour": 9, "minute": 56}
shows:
{"hour": 8, "minute": 51}
